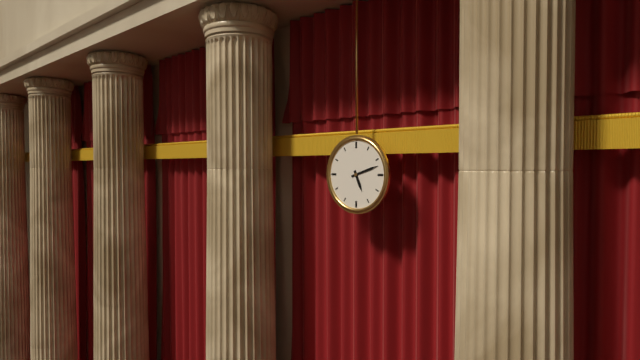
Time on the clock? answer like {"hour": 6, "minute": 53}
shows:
{"hour": 5, "minute": 12}
